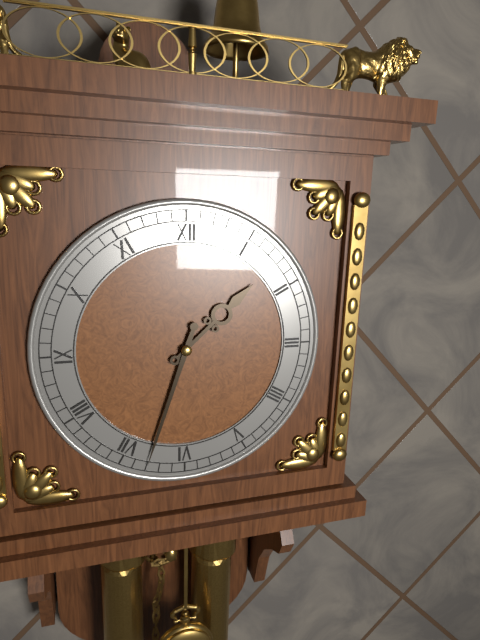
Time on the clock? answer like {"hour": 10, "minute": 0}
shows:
{"hour": 1, "minute": 33}
